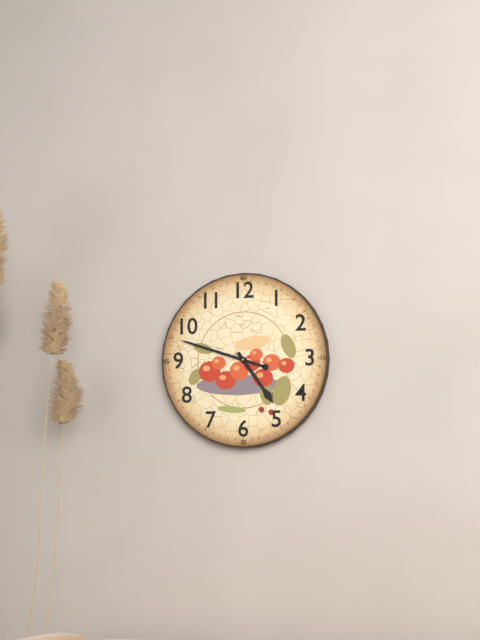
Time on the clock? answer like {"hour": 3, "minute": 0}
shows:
{"hour": 4, "minute": 48}
